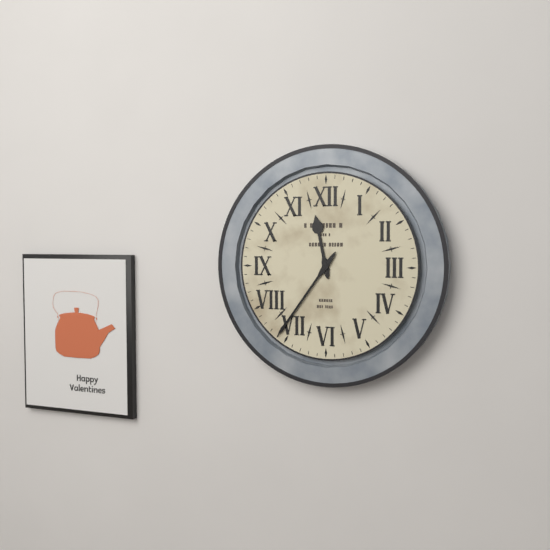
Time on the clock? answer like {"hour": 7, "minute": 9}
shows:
{"hour": 11, "minute": 36}
